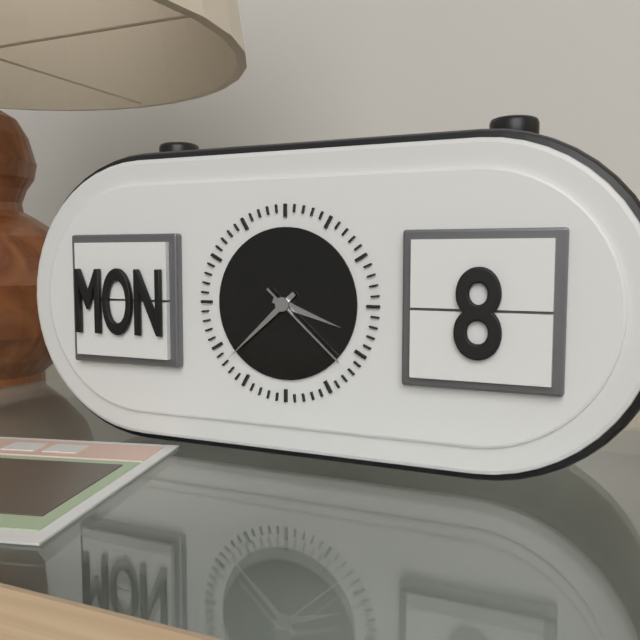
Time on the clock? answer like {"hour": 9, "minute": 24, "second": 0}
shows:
{"hour": 3, "minute": 38, "second": 22}
